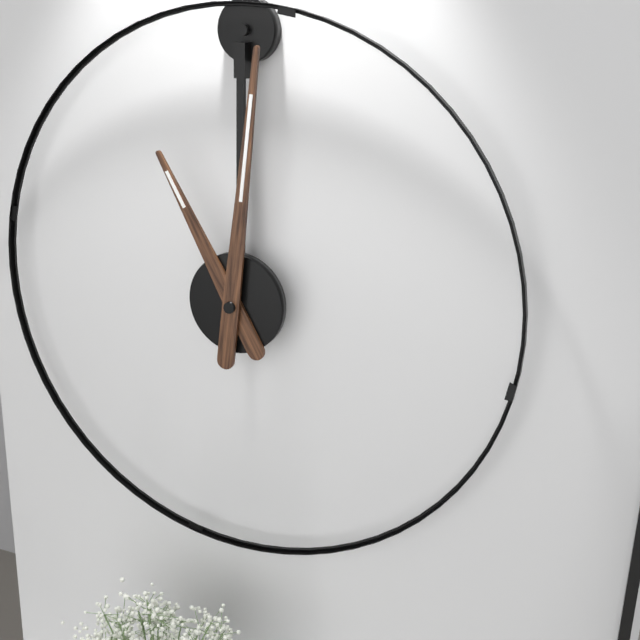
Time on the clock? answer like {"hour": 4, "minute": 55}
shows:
{"hour": 11, "minute": 1}
